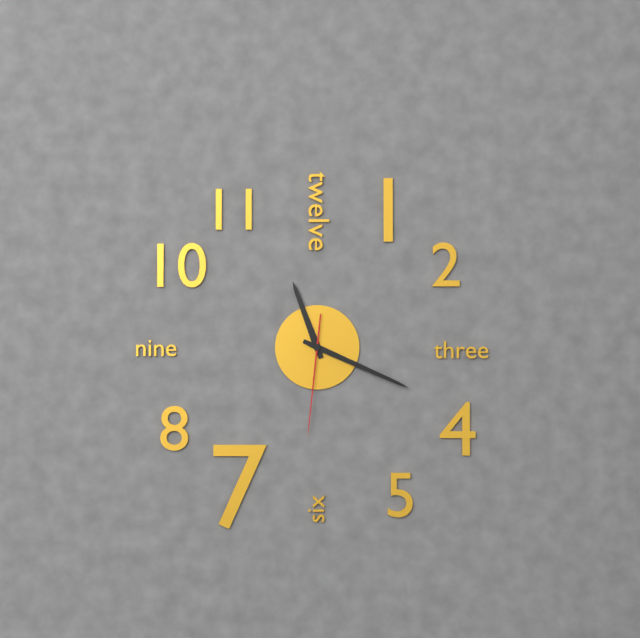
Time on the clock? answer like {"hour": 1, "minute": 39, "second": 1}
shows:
{"hour": 11, "minute": 19, "second": 31}
